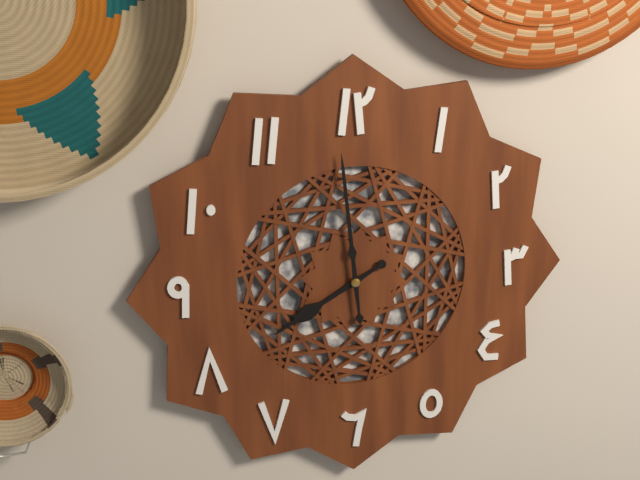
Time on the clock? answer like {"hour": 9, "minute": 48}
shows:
{"hour": 7, "minute": 59}
